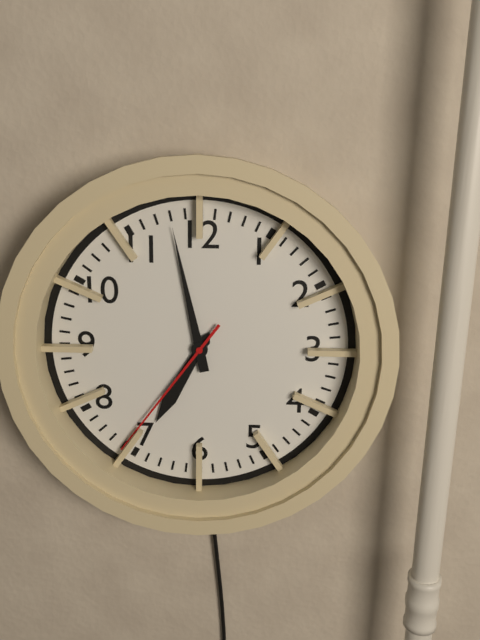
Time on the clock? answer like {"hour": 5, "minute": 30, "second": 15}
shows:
{"hour": 6, "minute": 58, "second": 36}
